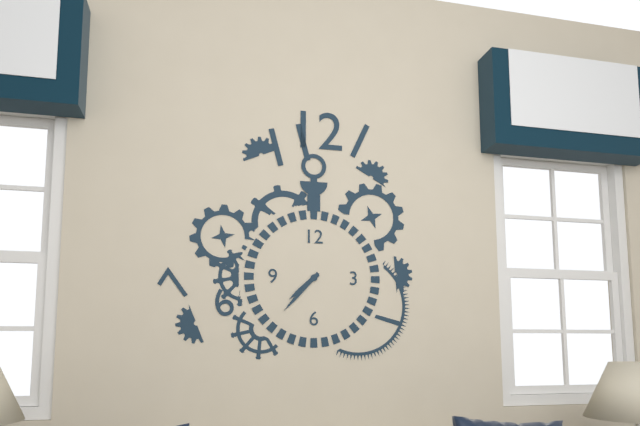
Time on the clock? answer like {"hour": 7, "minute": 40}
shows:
{"hour": 7, "minute": 37}
